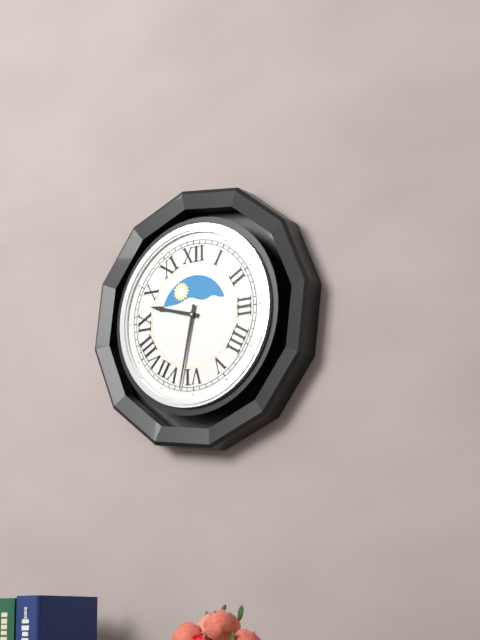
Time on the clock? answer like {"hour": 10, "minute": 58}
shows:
{"hour": 9, "minute": 32}
